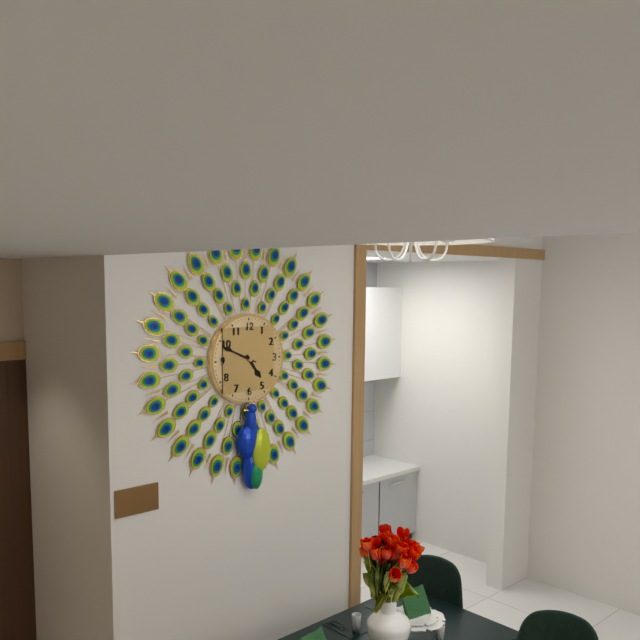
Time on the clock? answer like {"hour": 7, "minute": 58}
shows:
{"hour": 4, "minute": 49}
